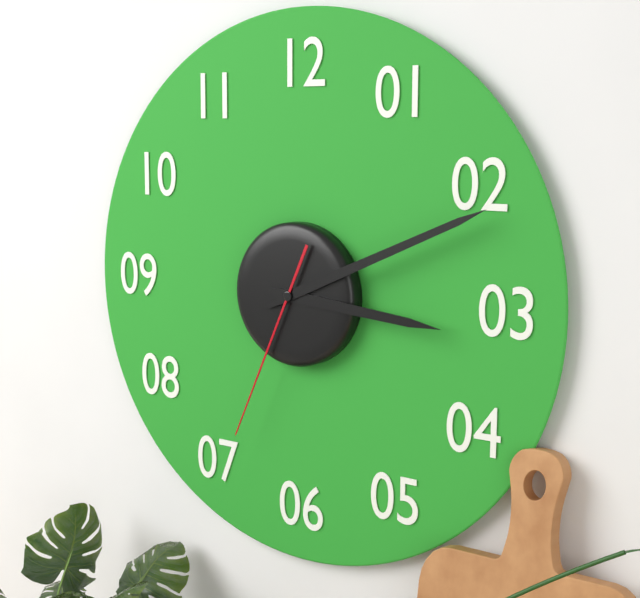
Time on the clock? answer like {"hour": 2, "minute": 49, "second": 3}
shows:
{"hour": 3, "minute": 11, "second": 34}
